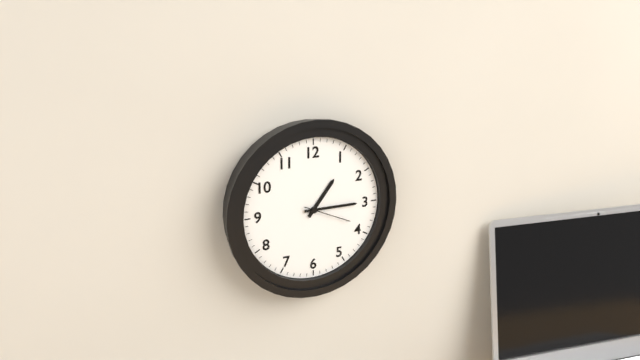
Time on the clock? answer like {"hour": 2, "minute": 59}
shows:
{"hour": 1, "minute": 15}
